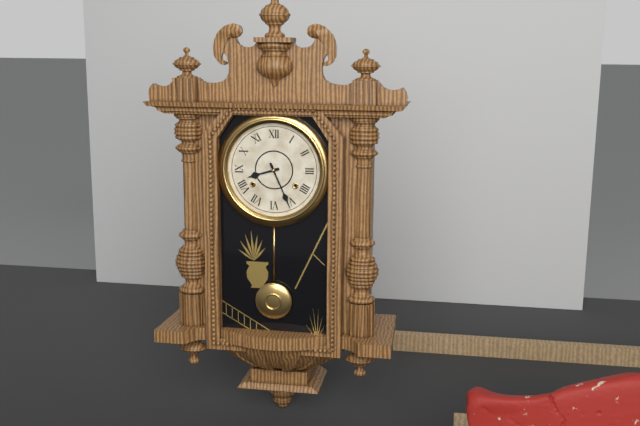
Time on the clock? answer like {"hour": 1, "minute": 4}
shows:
{"hour": 8, "minute": 26}
